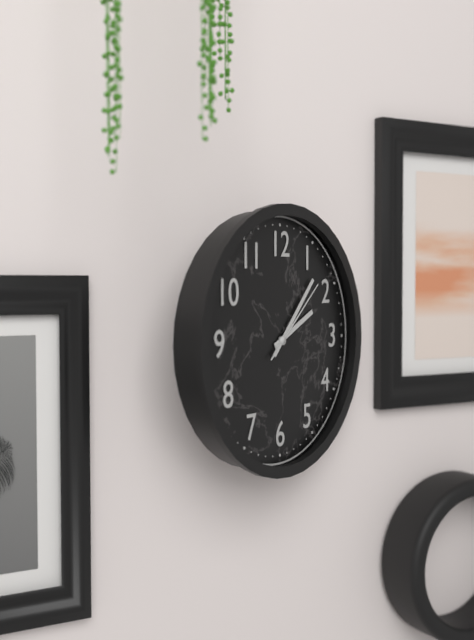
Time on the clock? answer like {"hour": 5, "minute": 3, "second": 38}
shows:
{"hour": 2, "minute": 7, "second": 8}
